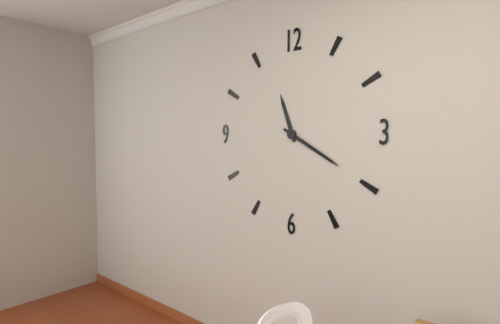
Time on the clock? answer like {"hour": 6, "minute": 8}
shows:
{"hour": 11, "minute": 20}
